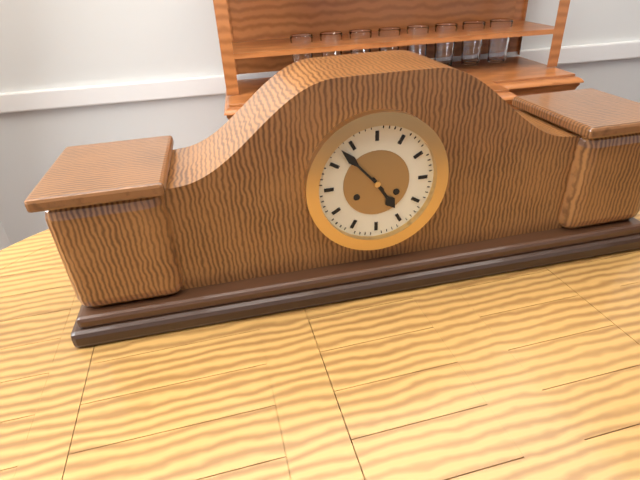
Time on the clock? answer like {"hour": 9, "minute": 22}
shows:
{"hour": 4, "minute": 53}
